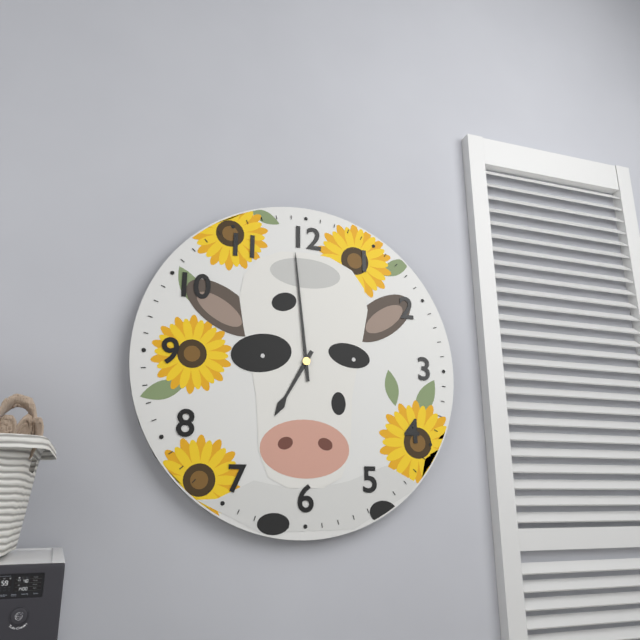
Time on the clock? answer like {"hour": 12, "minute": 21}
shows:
{"hour": 6, "minute": 59}
